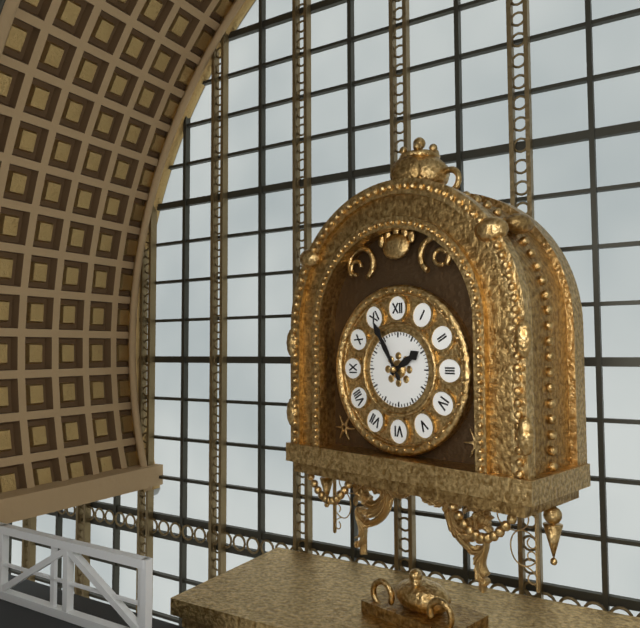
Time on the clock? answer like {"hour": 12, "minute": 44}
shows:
{"hour": 1, "minute": 55}
